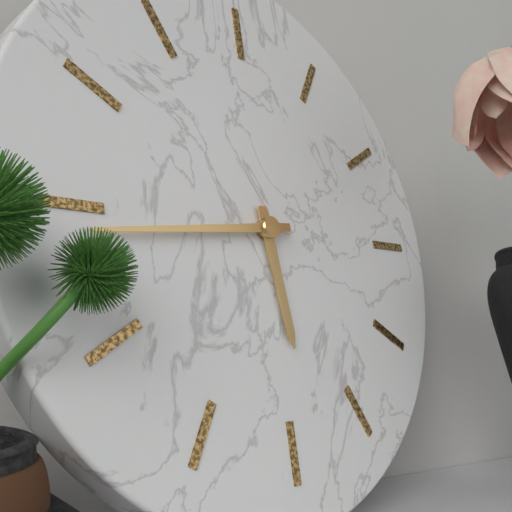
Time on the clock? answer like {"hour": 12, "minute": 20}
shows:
{"hour": 5, "minute": 44}
